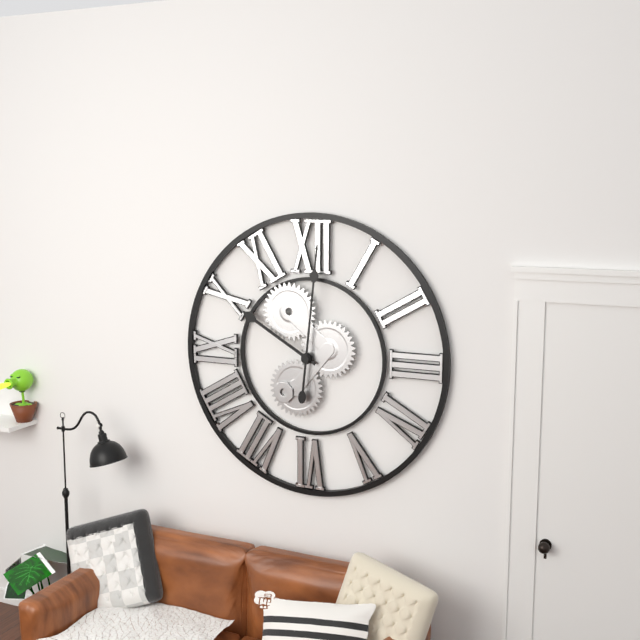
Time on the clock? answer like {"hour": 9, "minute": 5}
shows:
{"hour": 10, "minute": 1}
